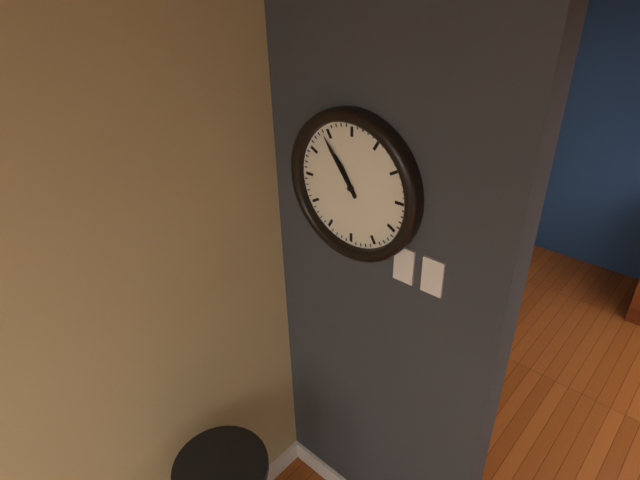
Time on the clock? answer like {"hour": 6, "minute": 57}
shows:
{"hour": 10, "minute": 54}
